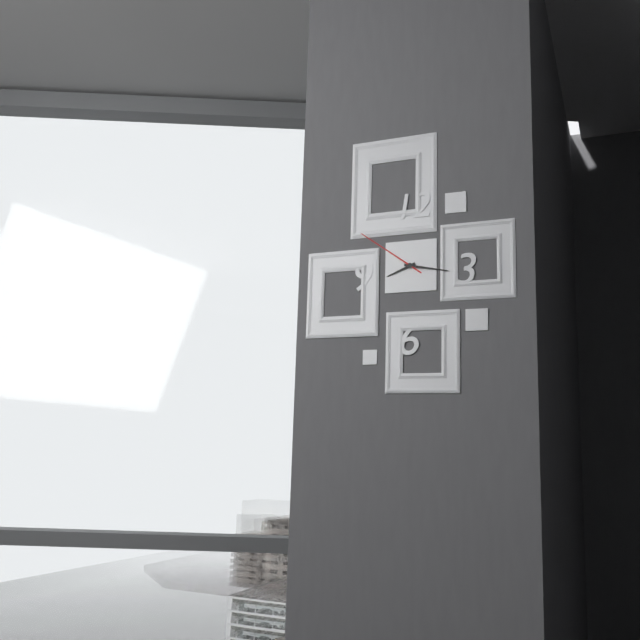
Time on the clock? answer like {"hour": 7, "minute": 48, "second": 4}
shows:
{"hour": 8, "minute": 17, "second": 51}
